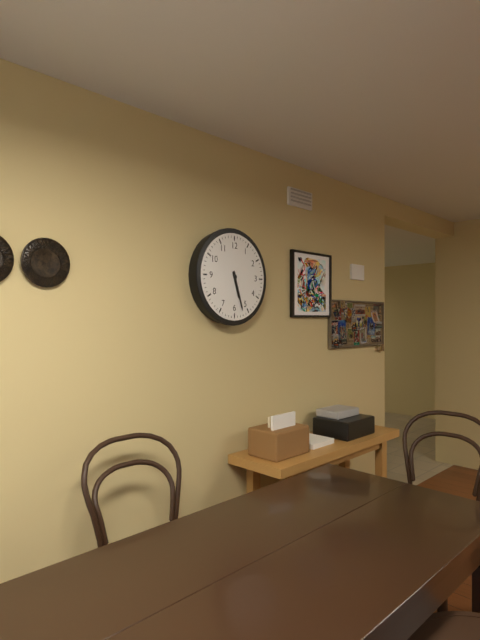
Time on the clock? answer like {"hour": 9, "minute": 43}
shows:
{"hour": 5, "minute": 27}
